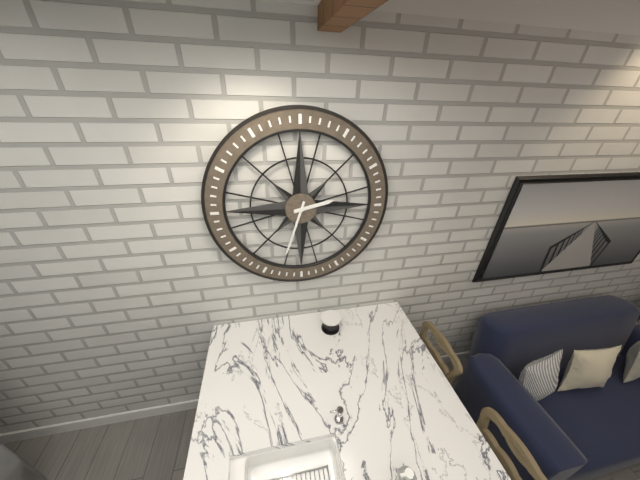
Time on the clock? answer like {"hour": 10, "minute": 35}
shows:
{"hour": 2, "minute": 33}
